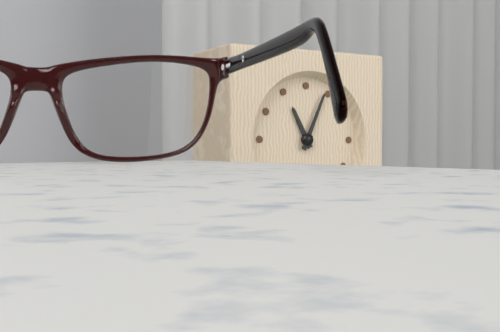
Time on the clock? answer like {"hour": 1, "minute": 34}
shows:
{"hour": 11, "minute": 4}
